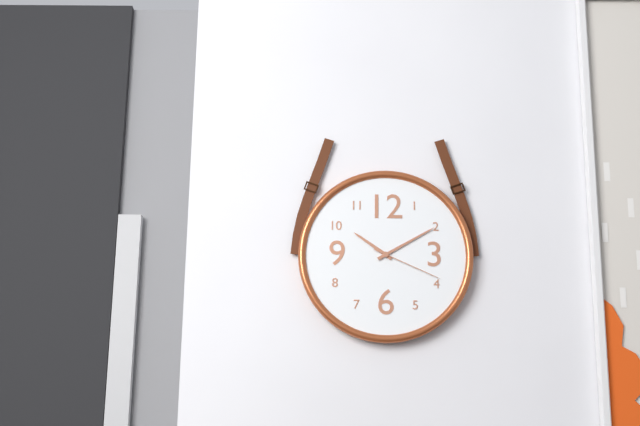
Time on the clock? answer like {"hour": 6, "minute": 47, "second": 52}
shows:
{"hour": 10, "minute": 10, "second": 19}
